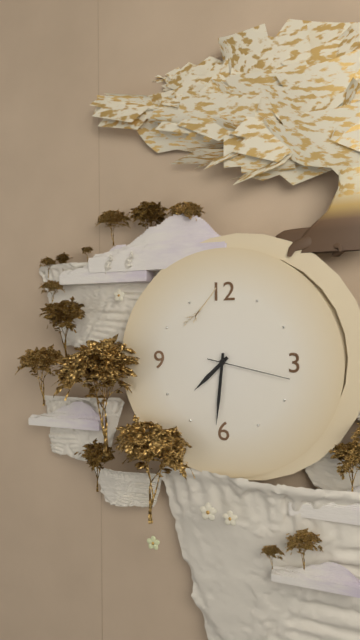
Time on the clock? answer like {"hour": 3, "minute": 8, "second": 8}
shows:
{"hour": 7, "minute": 31, "second": 17}
